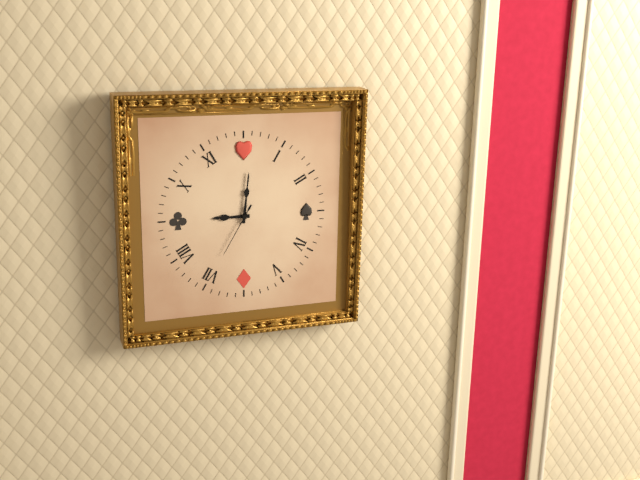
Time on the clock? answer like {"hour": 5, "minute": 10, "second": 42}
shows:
{"hour": 9, "minute": 1, "second": 35}
